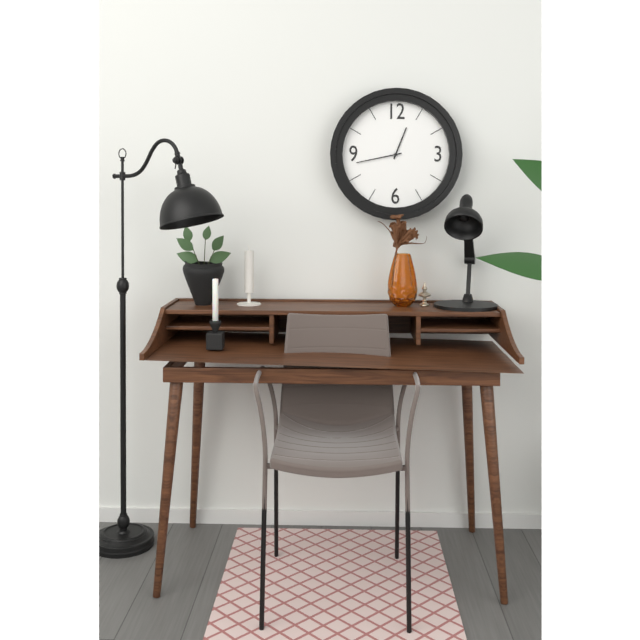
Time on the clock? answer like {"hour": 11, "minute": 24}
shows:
{"hour": 12, "minute": 43}
